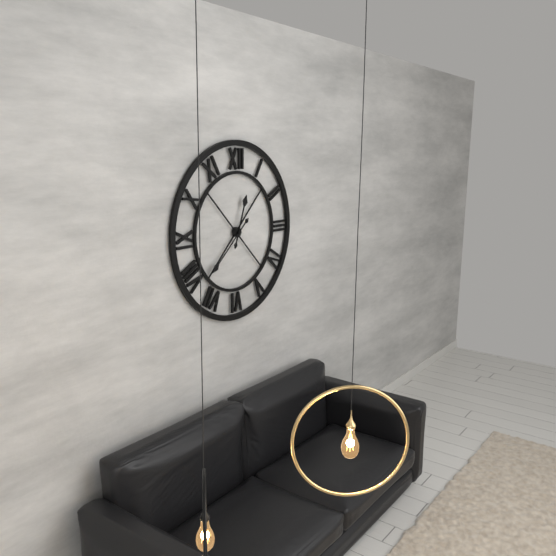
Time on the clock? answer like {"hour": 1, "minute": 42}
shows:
{"hour": 12, "minute": 38}
